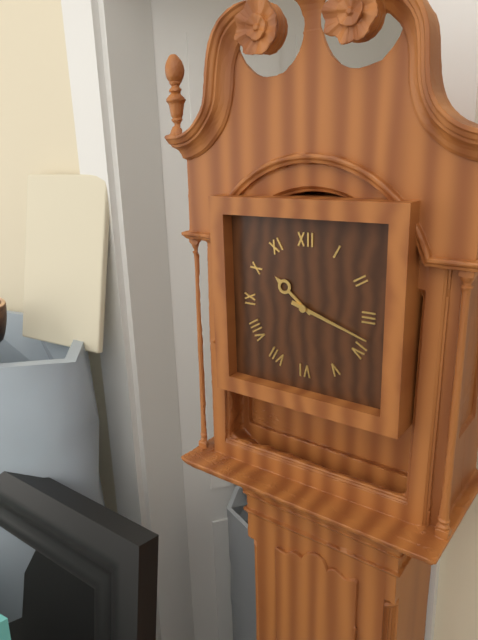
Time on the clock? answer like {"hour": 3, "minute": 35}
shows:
{"hour": 10, "minute": 18}
